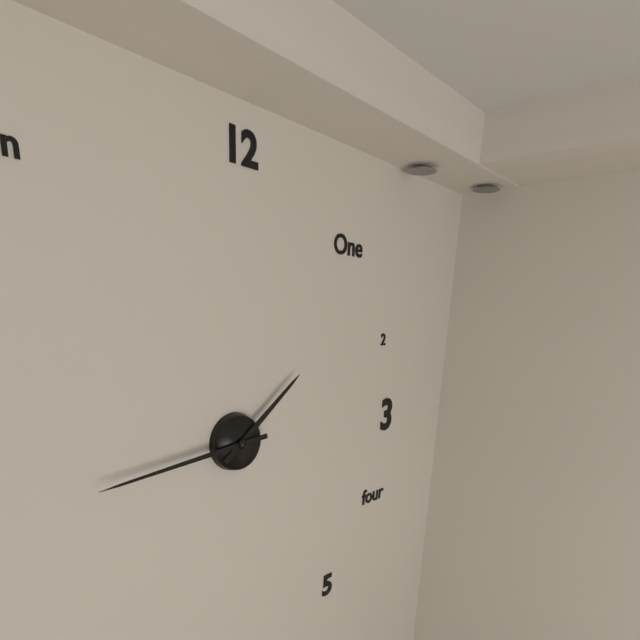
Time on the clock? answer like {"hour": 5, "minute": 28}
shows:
{"hour": 1, "minute": 44}
